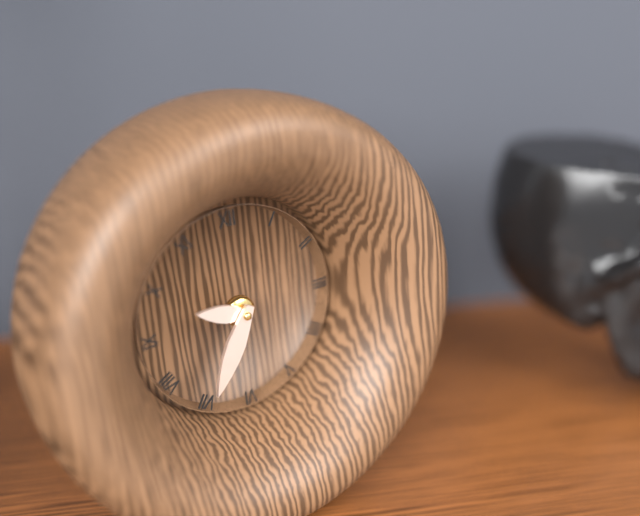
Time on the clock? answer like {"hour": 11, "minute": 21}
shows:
{"hour": 9, "minute": 35}
